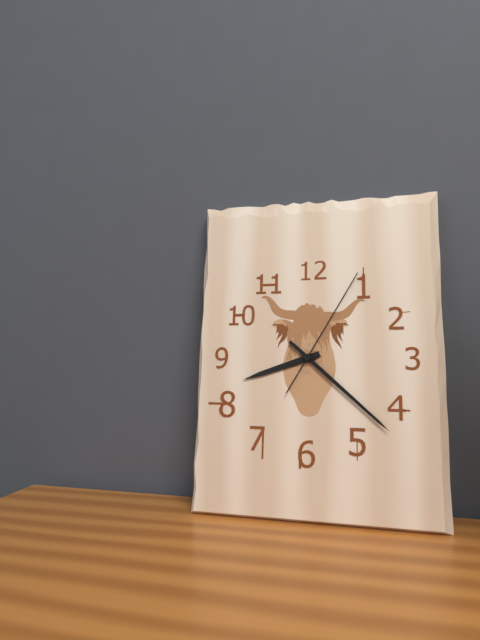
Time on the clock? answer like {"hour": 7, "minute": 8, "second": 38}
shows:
{"hour": 8, "minute": 22, "second": 5}
